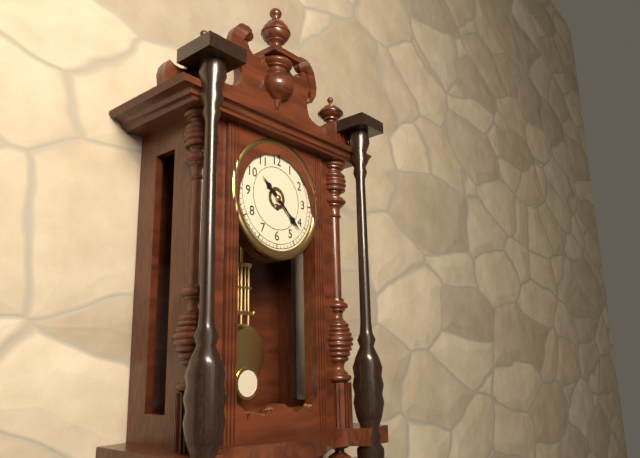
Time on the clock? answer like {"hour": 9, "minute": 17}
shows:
{"hour": 10, "minute": 22}
